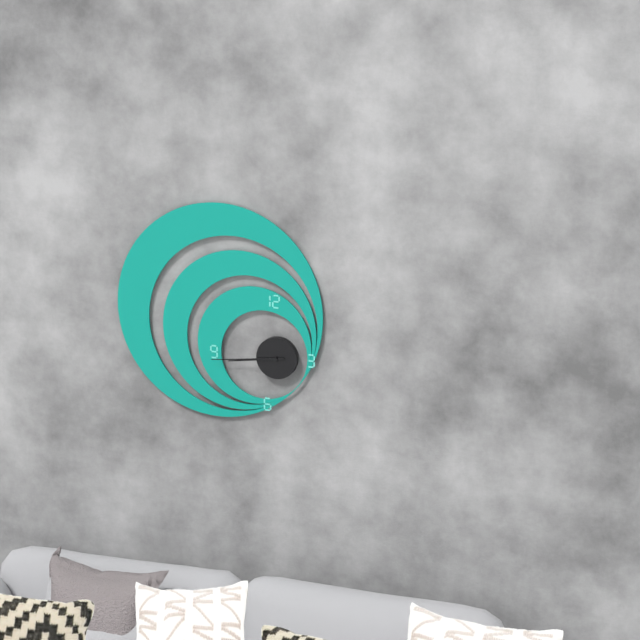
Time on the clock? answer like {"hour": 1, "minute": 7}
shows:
{"hour": 8, "minute": 44}
